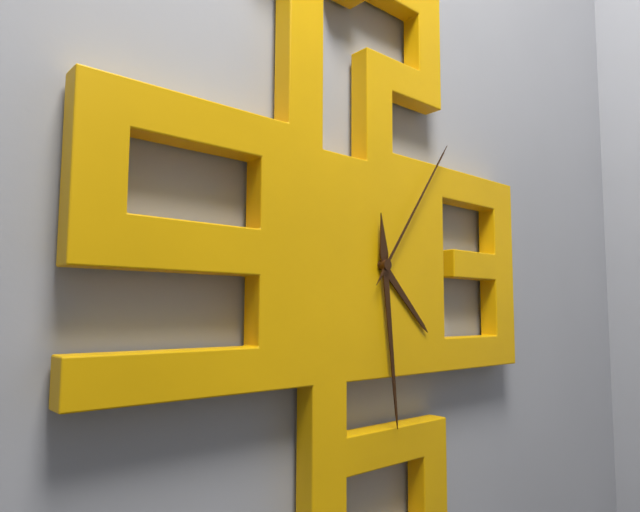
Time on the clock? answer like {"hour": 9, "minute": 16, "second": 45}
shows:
{"hour": 4, "minute": 29, "second": 6}
